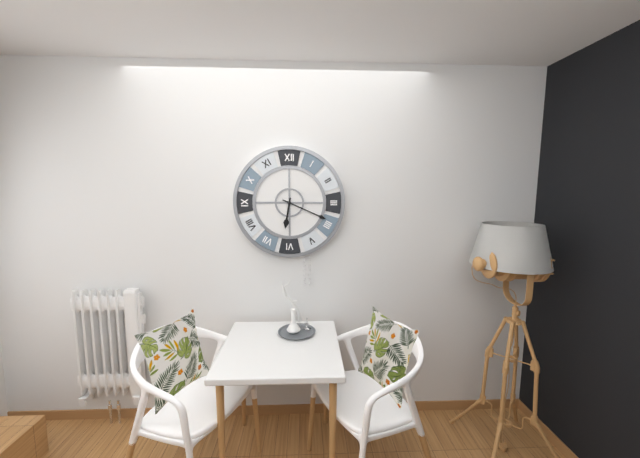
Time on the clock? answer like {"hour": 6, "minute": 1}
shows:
{"hour": 6, "minute": 19}
